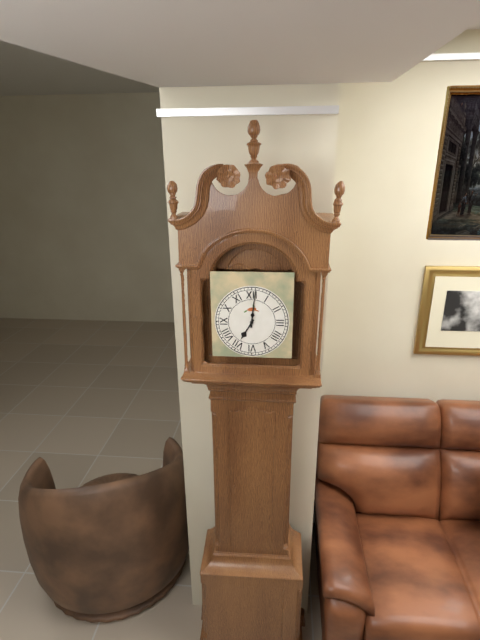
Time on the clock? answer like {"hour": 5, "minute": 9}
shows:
{"hour": 7, "minute": 1}
